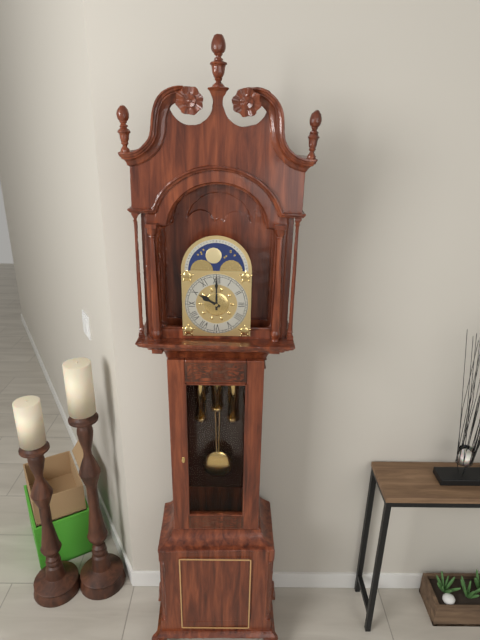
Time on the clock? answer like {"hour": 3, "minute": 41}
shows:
{"hour": 10, "minute": 0}
